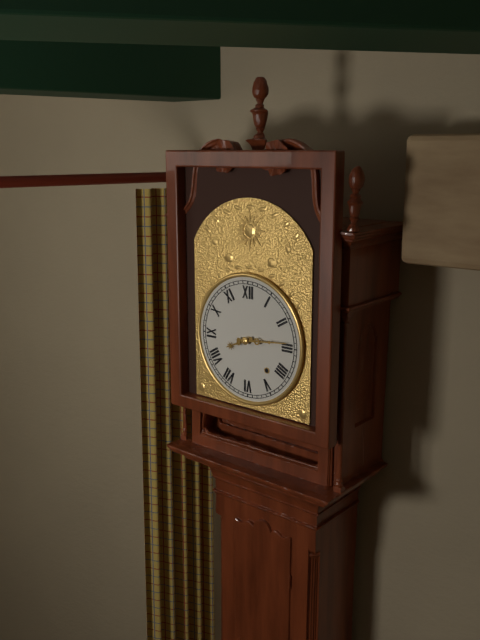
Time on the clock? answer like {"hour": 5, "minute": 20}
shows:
{"hour": 8, "minute": 14}
